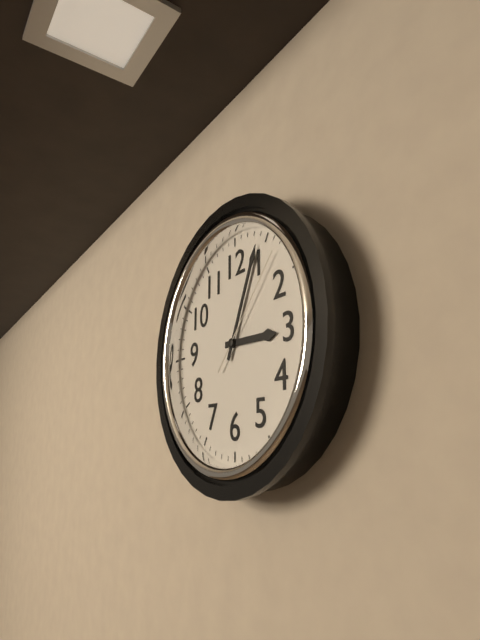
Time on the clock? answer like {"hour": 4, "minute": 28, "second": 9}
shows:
{"hour": 3, "minute": 4, "second": 7}
